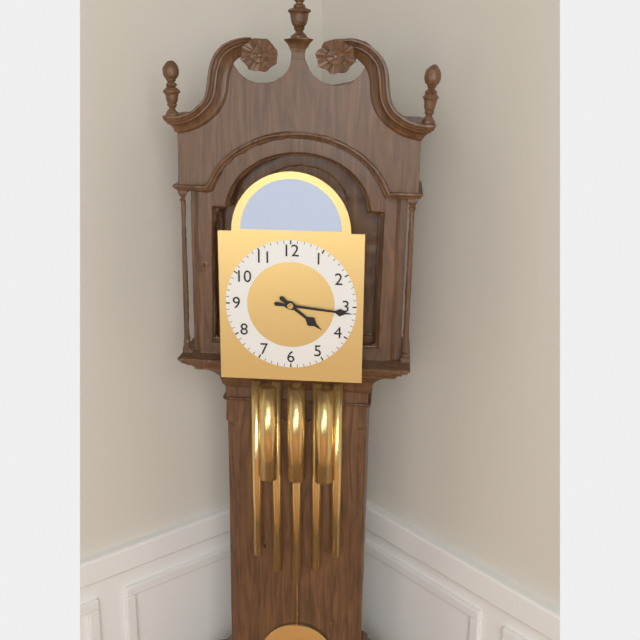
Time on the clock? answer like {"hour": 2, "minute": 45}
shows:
{"hour": 4, "minute": 16}
